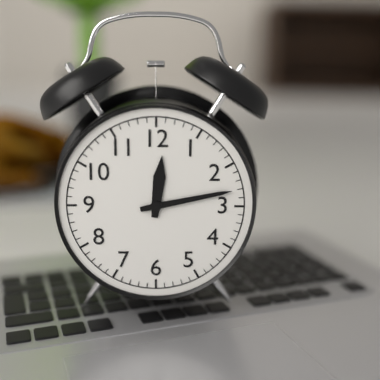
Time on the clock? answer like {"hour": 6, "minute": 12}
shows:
{"hour": 12, "minute": 13}
